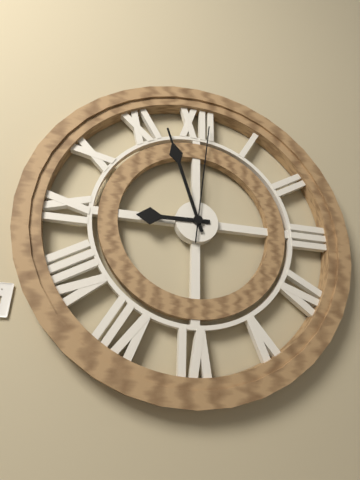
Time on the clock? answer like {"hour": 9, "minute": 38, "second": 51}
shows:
{"hour": 8, "minute": 57, "second": 1}
